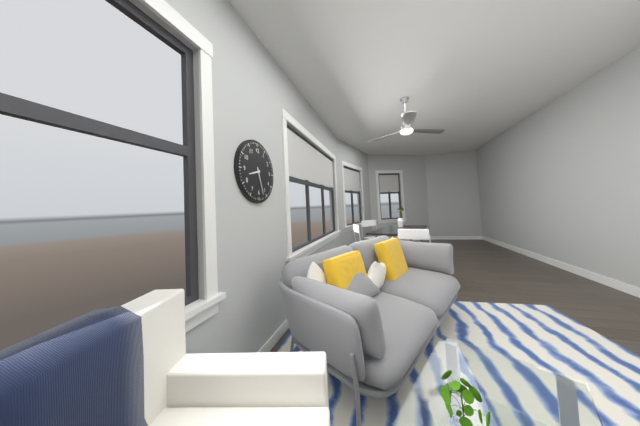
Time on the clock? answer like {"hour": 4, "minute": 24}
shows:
{"hour": 8, "minute": 27}
